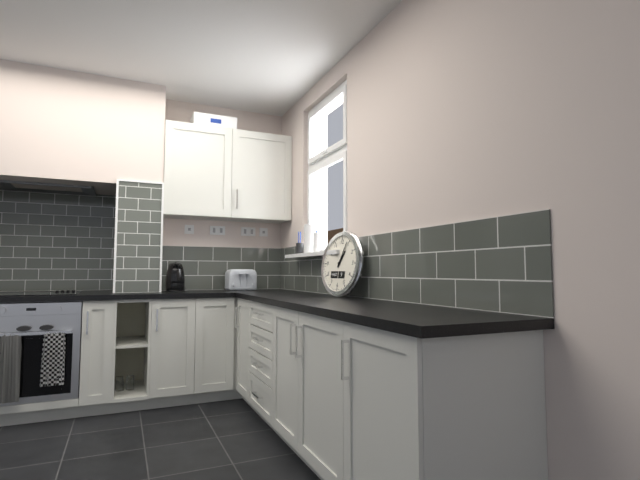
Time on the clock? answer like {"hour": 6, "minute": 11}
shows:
{"hour": 1, "minute": 4}
